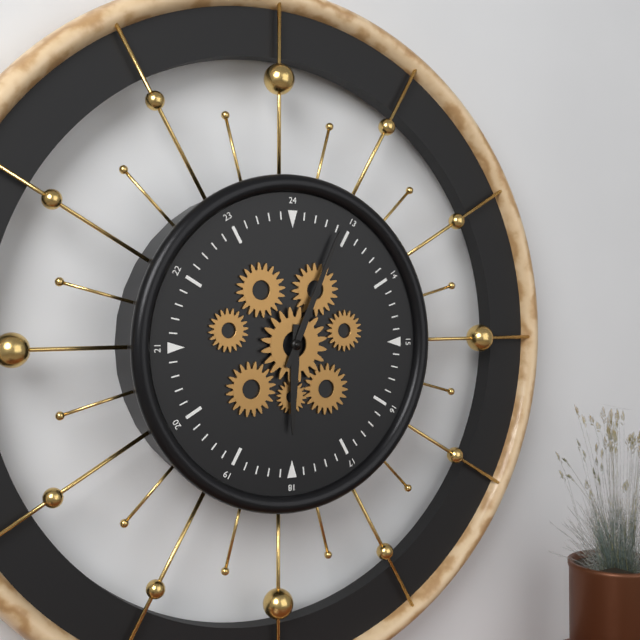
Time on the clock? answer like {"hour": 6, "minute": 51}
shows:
{"hour": 6, "minute": 4}
